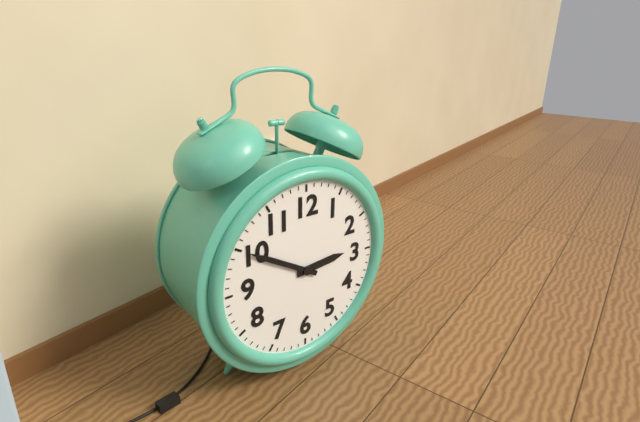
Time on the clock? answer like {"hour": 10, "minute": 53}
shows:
{"hour": 2, "minute": 50}
